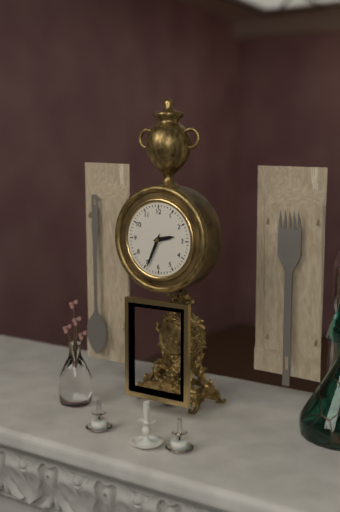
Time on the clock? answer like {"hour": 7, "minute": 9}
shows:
{"hour": 2, "minute": 34}
